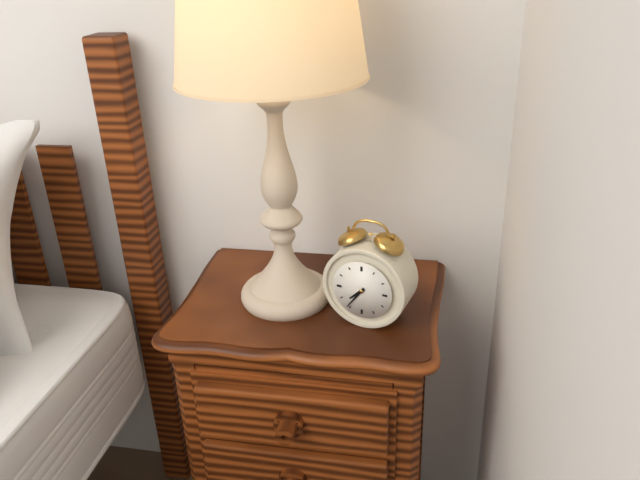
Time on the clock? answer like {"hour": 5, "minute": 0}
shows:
{"hour": 7, "minute": 36}
